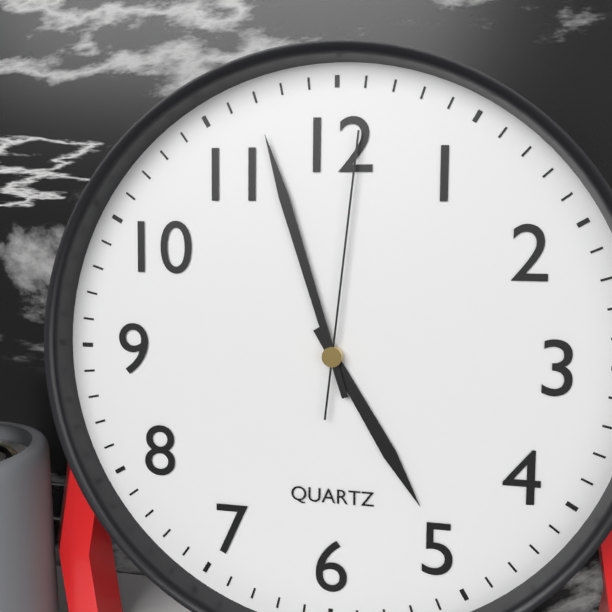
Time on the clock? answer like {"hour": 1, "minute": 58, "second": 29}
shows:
{"hour": 4, "minute": 57, "second": 1}
